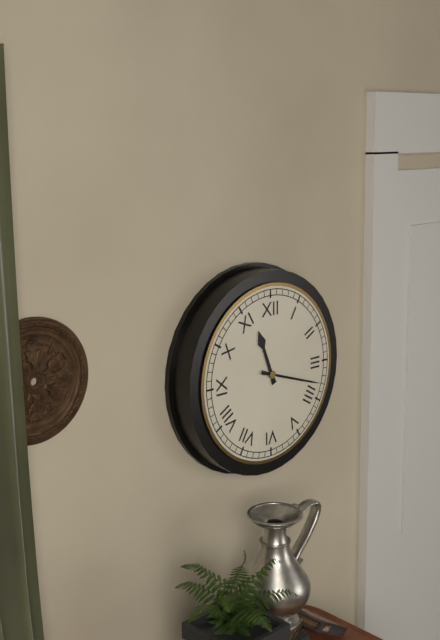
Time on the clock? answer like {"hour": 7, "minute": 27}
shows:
{"hour": 11, "minute": 18}
